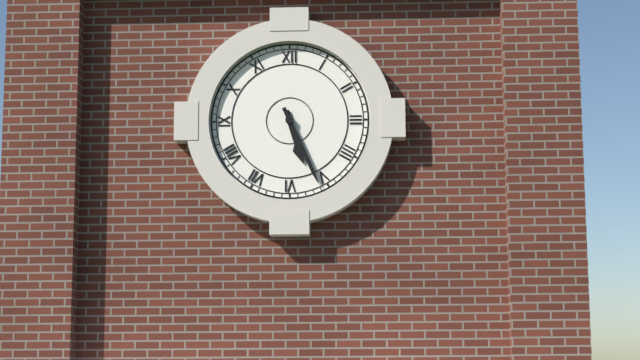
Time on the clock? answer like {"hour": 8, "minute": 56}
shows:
{"hour": 5, "minute": 26}
